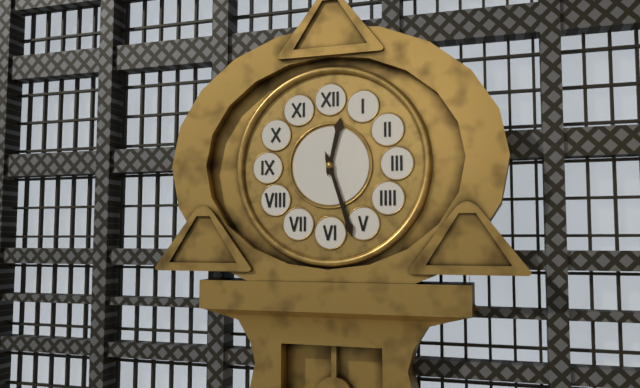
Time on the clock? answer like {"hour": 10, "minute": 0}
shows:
{"hour": 12, "minute": 27}
